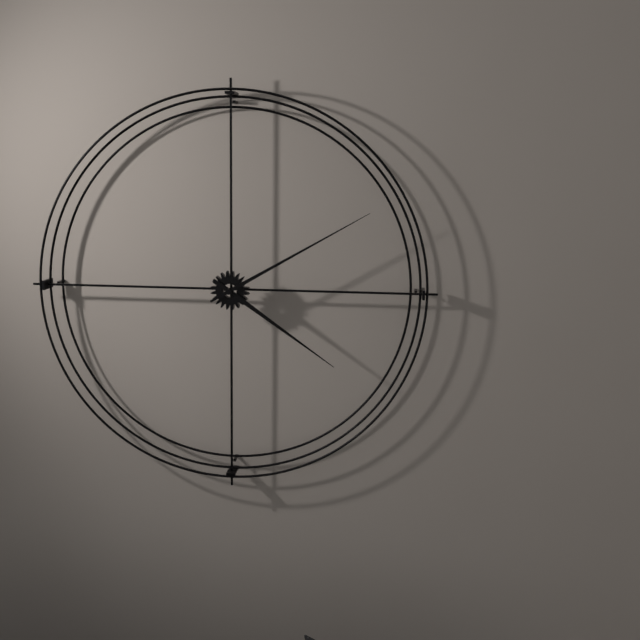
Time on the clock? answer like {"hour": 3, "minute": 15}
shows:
{"hour": 4, "minute": 10}
